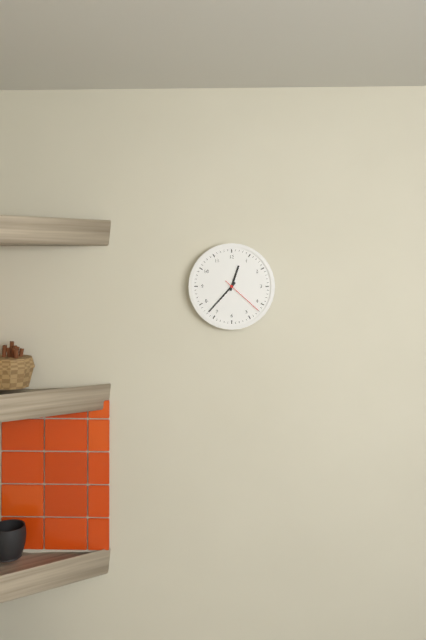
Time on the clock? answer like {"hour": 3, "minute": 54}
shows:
{"hour": 12, "minute": 37}
